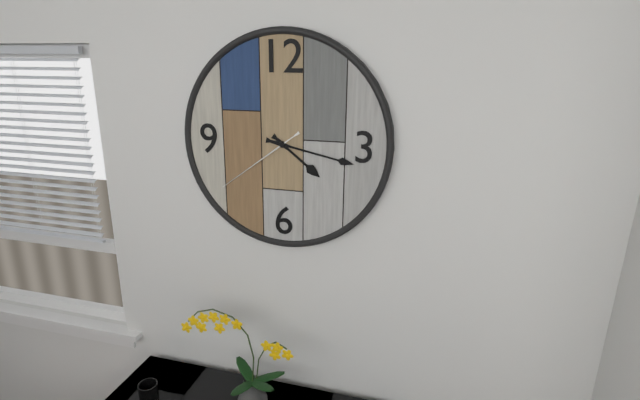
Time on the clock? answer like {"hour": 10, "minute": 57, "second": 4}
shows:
{"hour": 4, "minute": 17, "second": 39}
